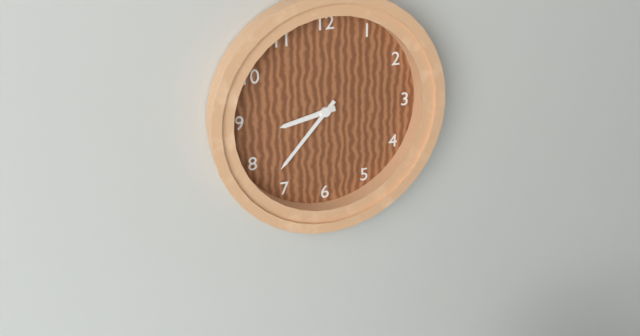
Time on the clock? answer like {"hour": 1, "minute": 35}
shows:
{"hour": 8, "minute": 37}
